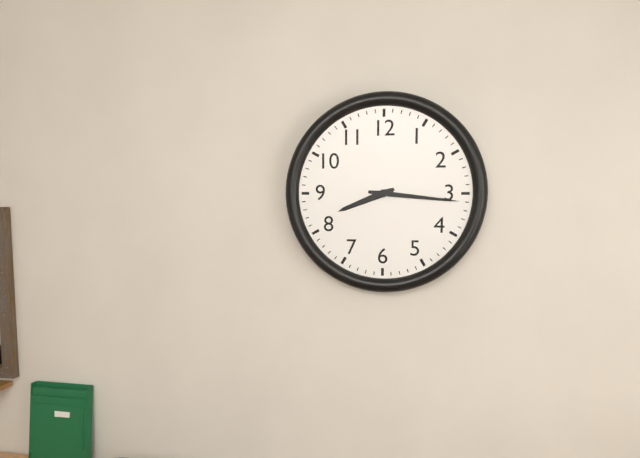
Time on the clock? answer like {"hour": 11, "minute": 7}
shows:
{"hour": 8, "minute": 16}
